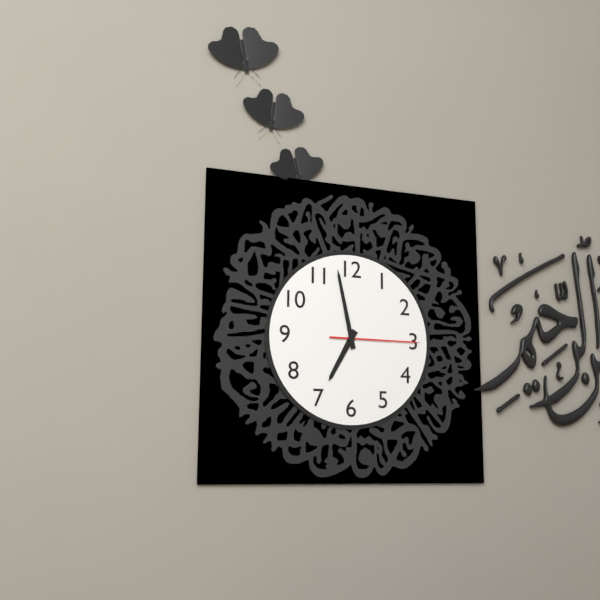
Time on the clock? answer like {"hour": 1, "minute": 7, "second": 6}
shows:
{"hour": 6, "minute": 58, "second": 15}
